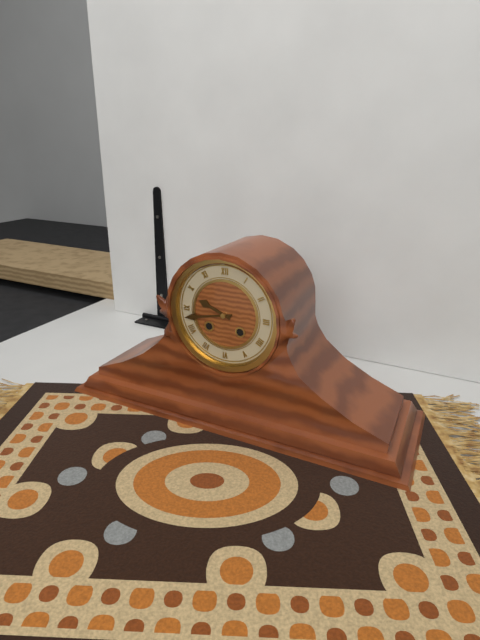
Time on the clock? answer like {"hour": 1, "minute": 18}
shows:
{"hour": 9, "minute": 43}
